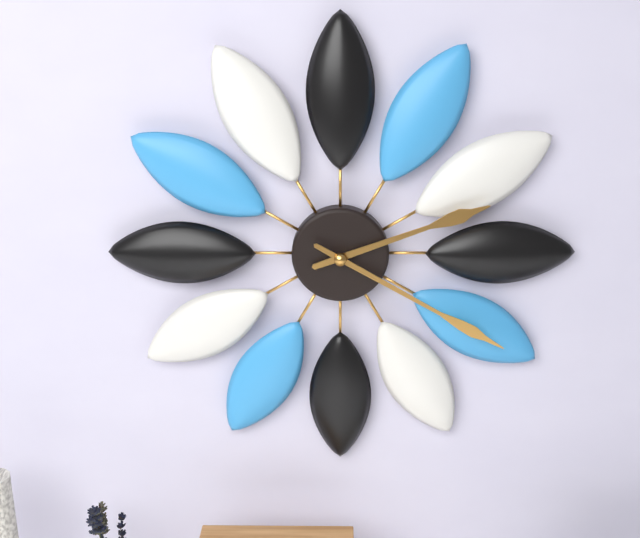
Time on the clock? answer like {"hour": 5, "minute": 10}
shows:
{"hour": 2, "minute": 20}
